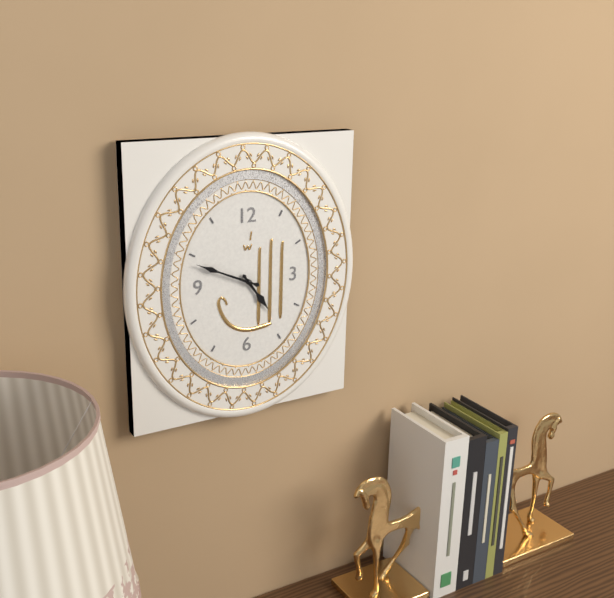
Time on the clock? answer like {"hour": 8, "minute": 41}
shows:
{"hour": 4, "minute": 49}
